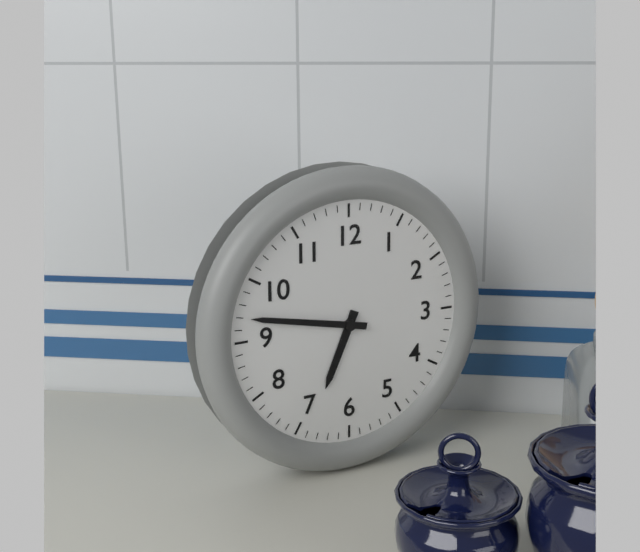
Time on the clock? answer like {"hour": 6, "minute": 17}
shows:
{"hour": 6, "minute": 47}
